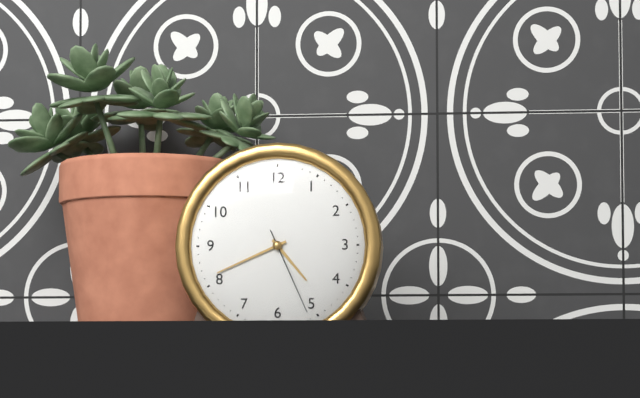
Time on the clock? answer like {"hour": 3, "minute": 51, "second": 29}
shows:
{"hour": 4, "minute": 41, "second": 26}
